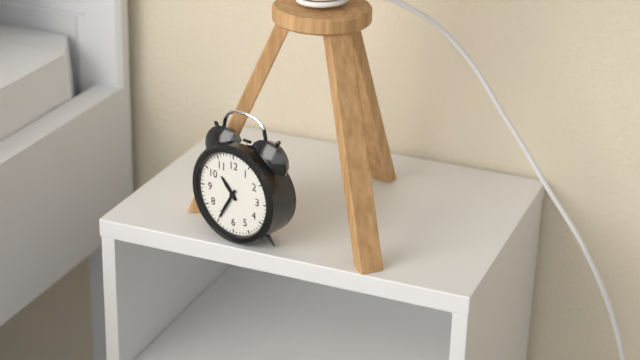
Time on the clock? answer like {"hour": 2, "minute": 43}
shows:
{"hour": 10, "minute": 35}
